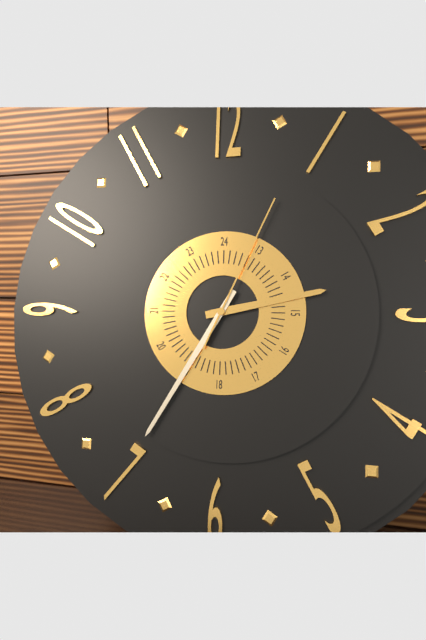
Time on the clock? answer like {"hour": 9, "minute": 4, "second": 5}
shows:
{"hour": 2, "minute": 35, "second": 4}
